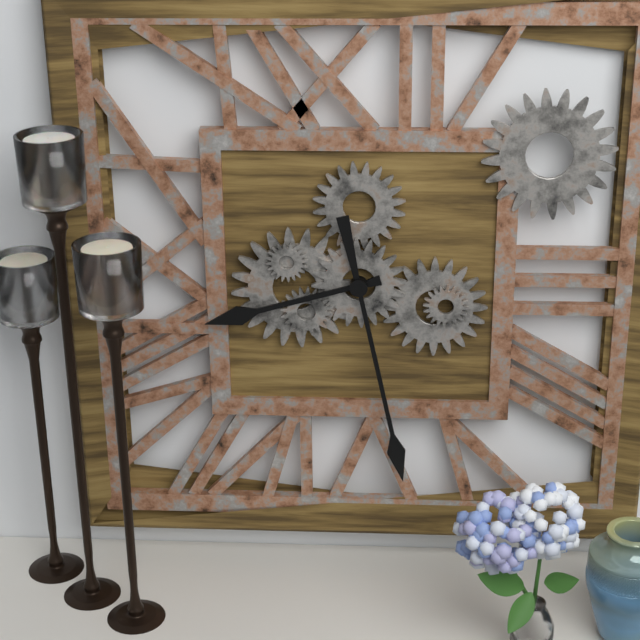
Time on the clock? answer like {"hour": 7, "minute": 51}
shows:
{"hour": 8, "minute": 28}
